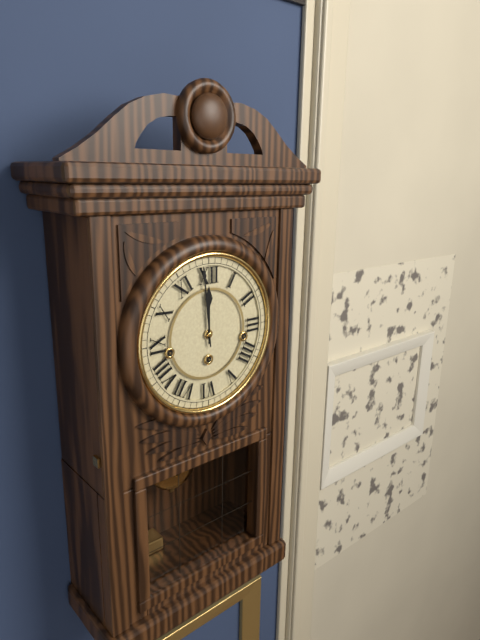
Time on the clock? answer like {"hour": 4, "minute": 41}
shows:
{"hour": 11, "minute": 59}
